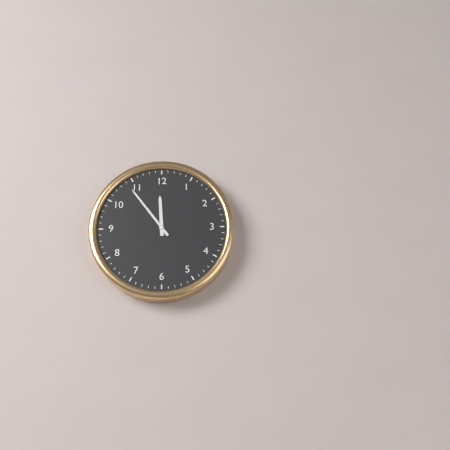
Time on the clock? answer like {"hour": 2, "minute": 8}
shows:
{"hour": 11, "minute": 54}
